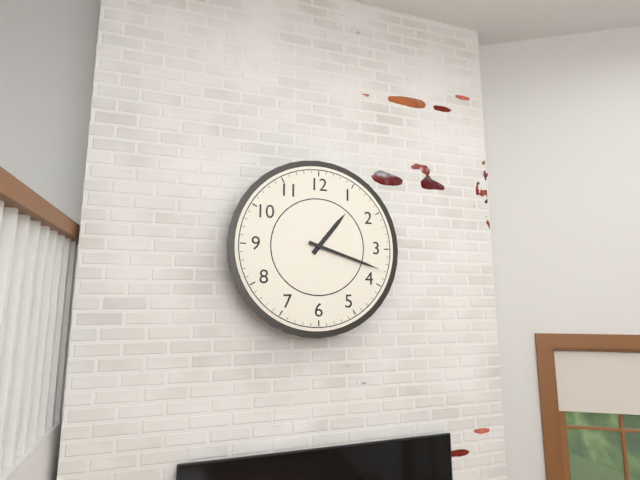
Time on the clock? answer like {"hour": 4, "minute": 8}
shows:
{"hour": 1, "minute": 18}
